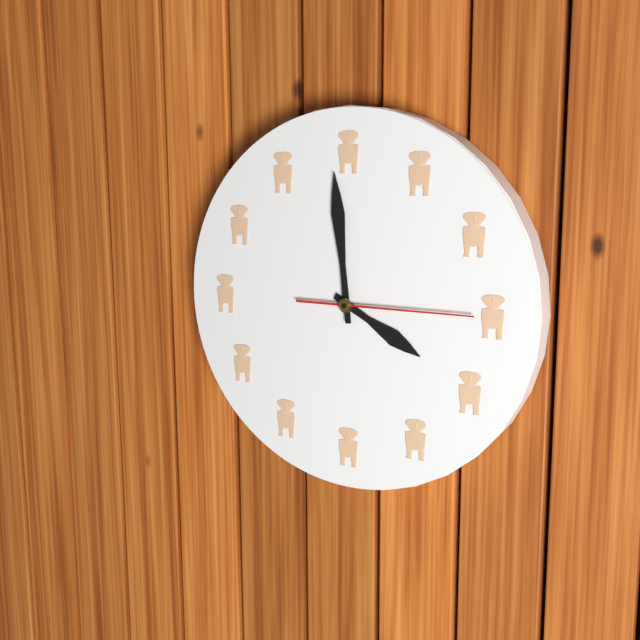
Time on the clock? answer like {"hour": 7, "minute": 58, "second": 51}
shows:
{"hour": 3, "minute": 59, "second": 15}
